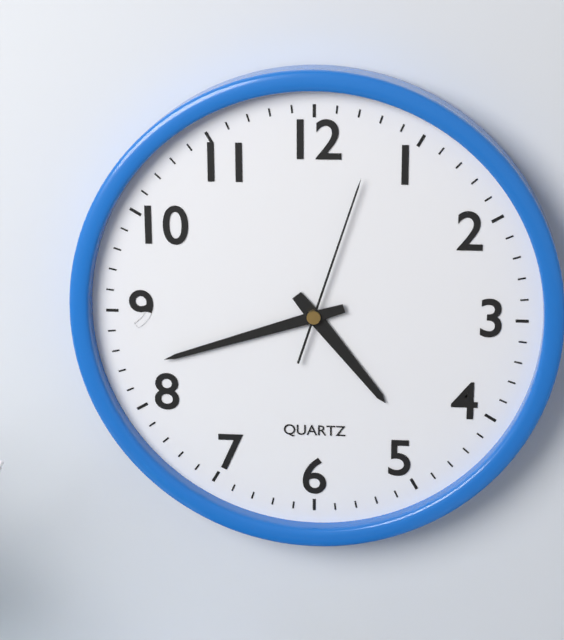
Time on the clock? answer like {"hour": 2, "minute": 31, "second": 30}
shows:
{"hour": 4, "minute": 42, "second": 3}
